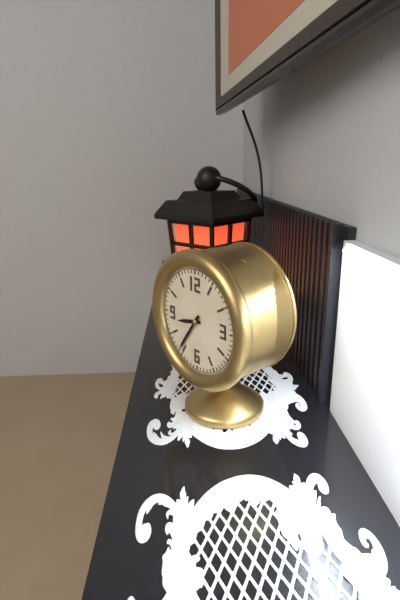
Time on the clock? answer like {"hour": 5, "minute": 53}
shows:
{"hour": 8, "minute": 36}
